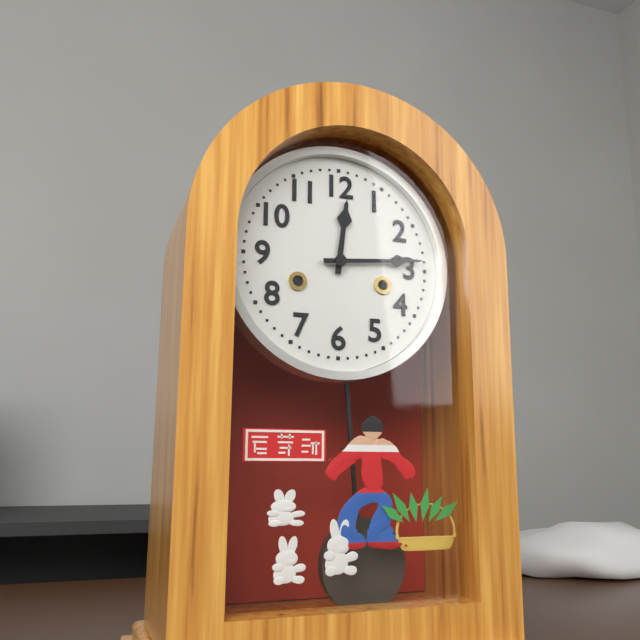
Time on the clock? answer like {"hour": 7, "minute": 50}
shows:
{"hour": 12, "minute": 14}
